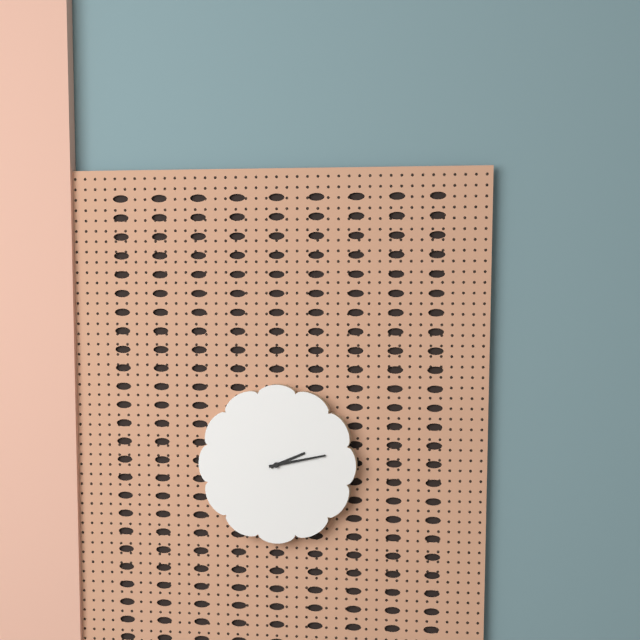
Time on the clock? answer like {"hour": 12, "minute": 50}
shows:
{"hour": 2, "minute": 13}
